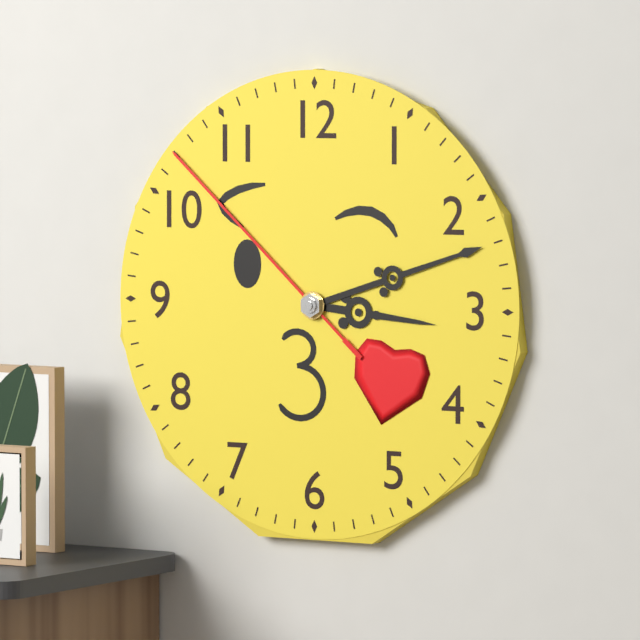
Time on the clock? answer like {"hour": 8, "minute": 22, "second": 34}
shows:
{"hour": 3, "minute": 12, "second": 52}
